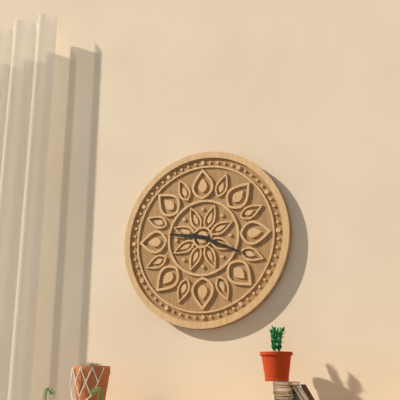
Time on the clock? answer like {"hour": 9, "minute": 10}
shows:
{"hour": 9, "minute": 19}
